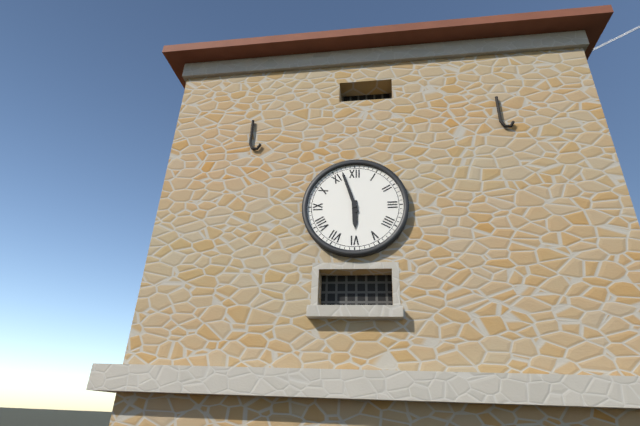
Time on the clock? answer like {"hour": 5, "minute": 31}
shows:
{"hour": 5, "minute": 57}
